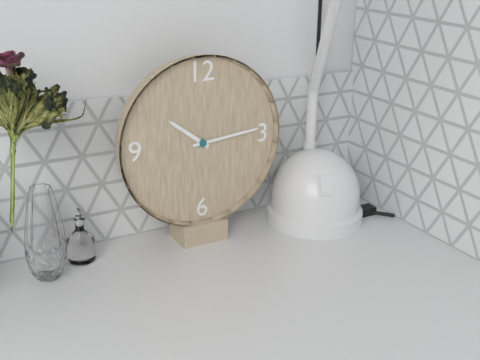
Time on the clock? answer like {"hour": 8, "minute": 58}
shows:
{"hour": 10, "minute": 14}
